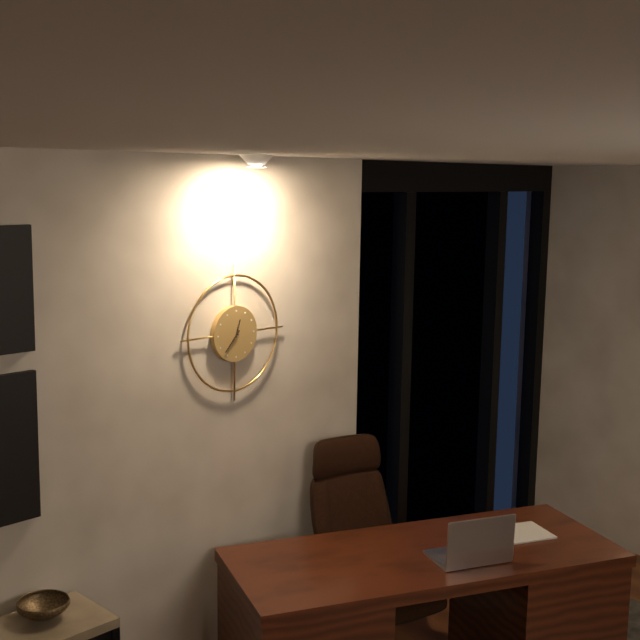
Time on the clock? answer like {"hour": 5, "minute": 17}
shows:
{"hour": 12, "minute": 37}
